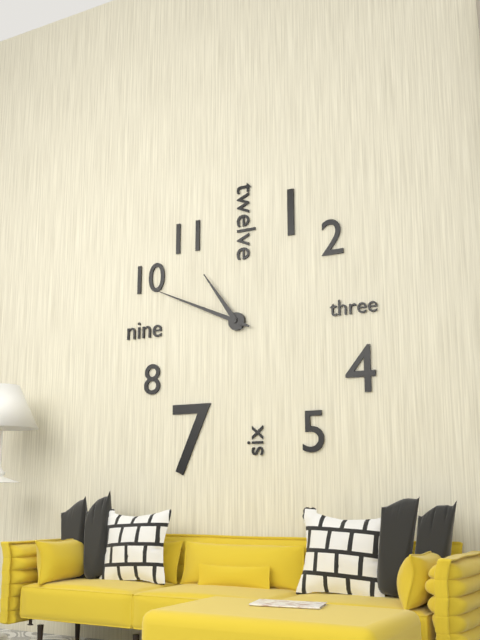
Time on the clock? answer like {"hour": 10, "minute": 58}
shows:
{"hour": 10, "minute": 49}
